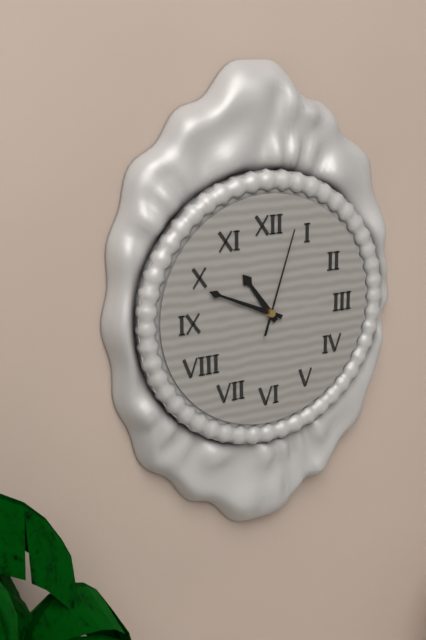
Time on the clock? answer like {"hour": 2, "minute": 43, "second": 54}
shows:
{"hour": 10, "minute": 49, "second": 3}
